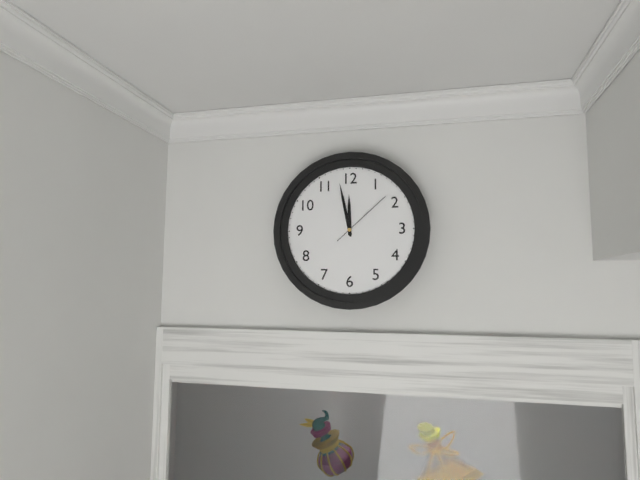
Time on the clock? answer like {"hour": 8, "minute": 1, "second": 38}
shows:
{"hour": 11, "minute": 58, "second": 8}
